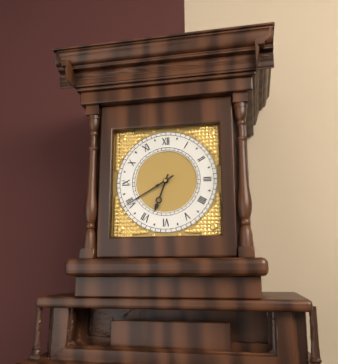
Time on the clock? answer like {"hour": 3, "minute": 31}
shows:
{"hour": 6, "minute": 40}
